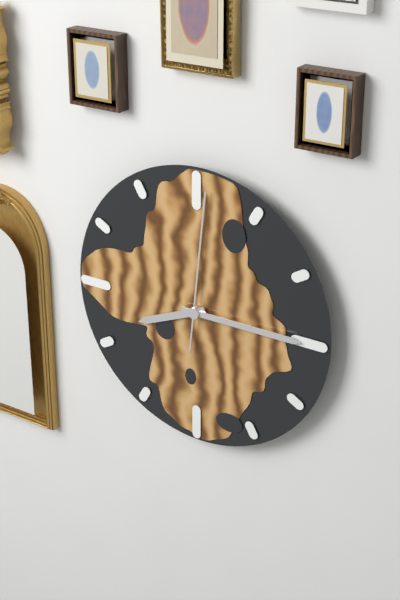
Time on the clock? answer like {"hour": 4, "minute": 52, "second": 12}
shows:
{"hour": 8, "minute": 15, "second": 1}
